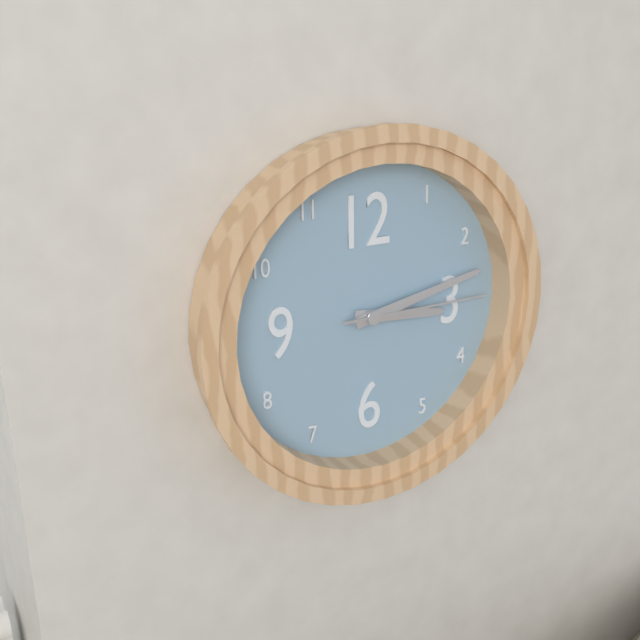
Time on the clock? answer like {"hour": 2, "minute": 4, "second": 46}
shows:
{"hour": 3, "minute": 13, "second": 15}
